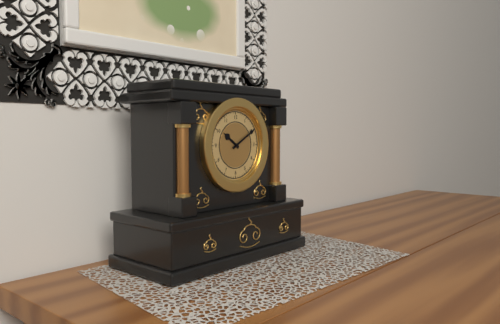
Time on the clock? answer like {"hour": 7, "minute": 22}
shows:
{"hour": 10, "minute": 10}
